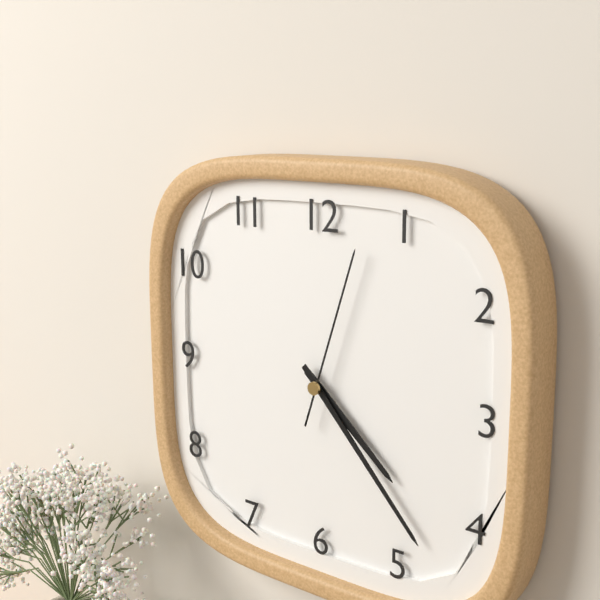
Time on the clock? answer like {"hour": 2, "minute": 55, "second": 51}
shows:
{"hour": 4, "minute": 23, "second": 3}
